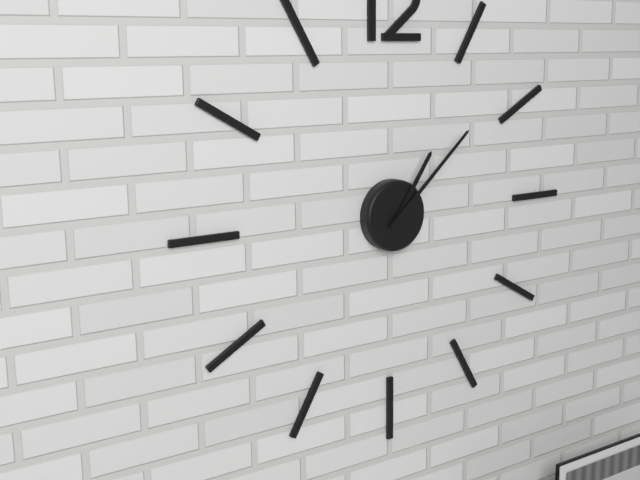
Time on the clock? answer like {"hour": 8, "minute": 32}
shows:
{"hour": 1, "minute": 8}
